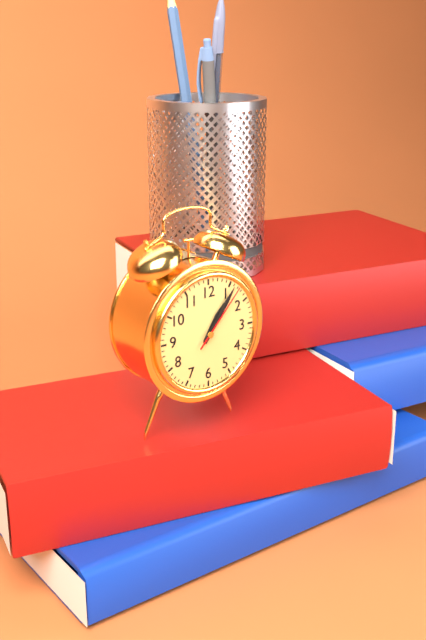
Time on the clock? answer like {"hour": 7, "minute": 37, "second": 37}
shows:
{"hour": 1, "minute": 6, "second": 7}
